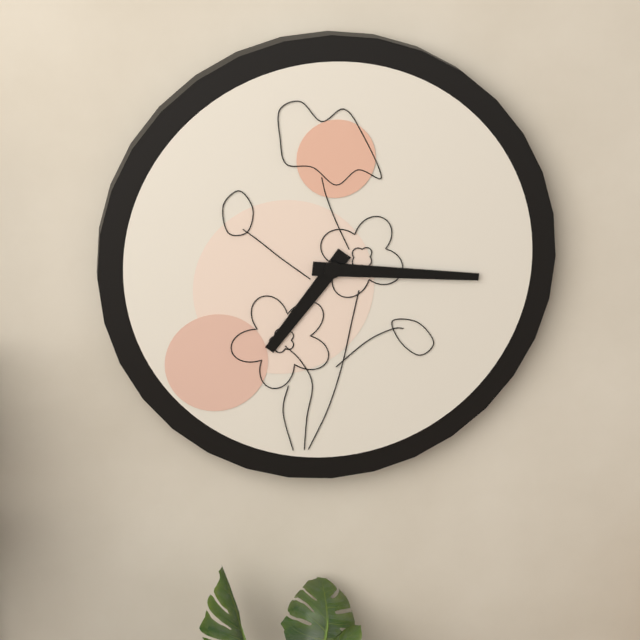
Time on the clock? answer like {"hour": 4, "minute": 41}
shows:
{"hour": 7, "minute": 16}
